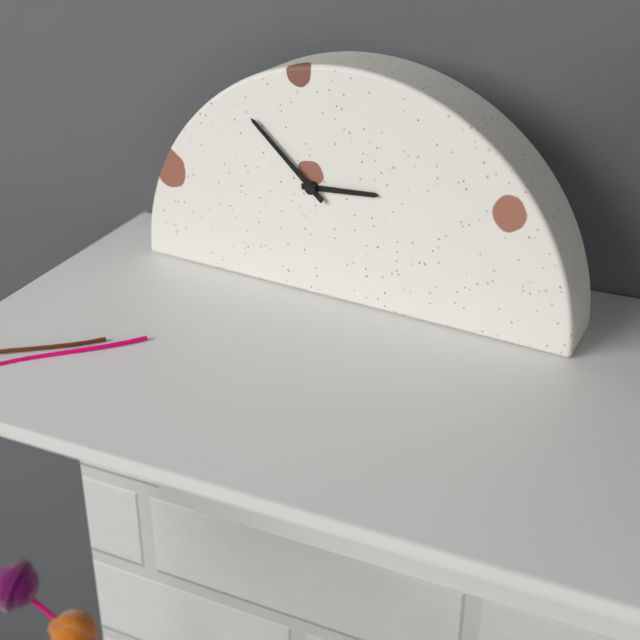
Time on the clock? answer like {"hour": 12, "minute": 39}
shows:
{"hour": 2, "minute": 52}
